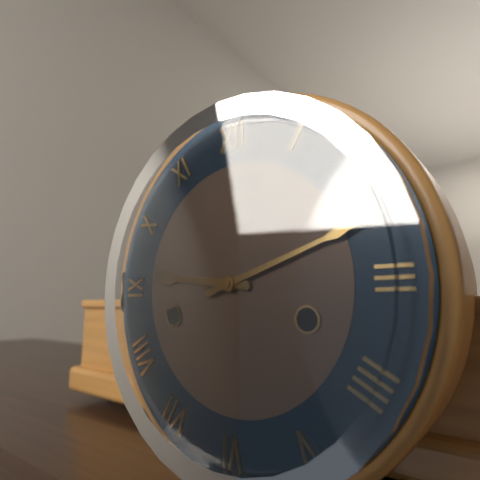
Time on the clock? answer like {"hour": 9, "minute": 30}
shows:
{"hour": 9, "minute": 12}
